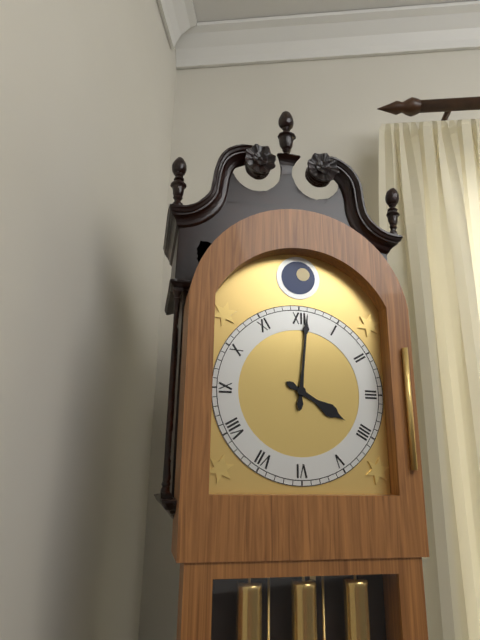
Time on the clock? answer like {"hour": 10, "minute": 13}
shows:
{"hour": 4, "minute": 1}
